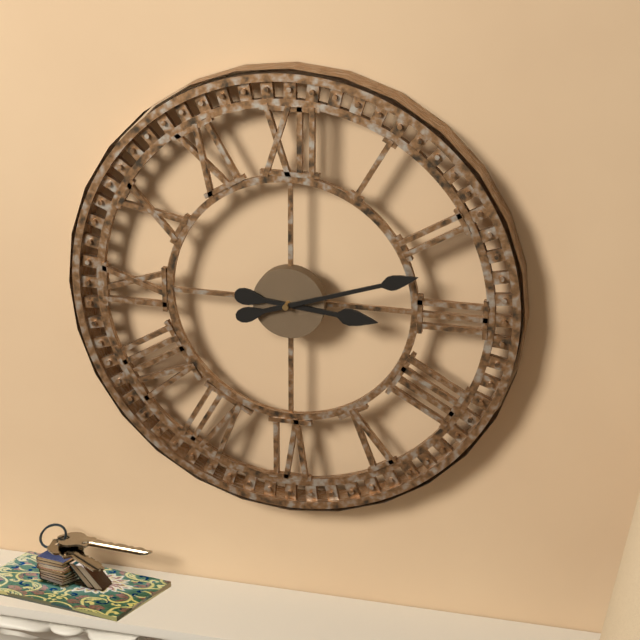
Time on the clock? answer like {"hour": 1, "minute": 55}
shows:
{"hour": 3, "minute": 12}
